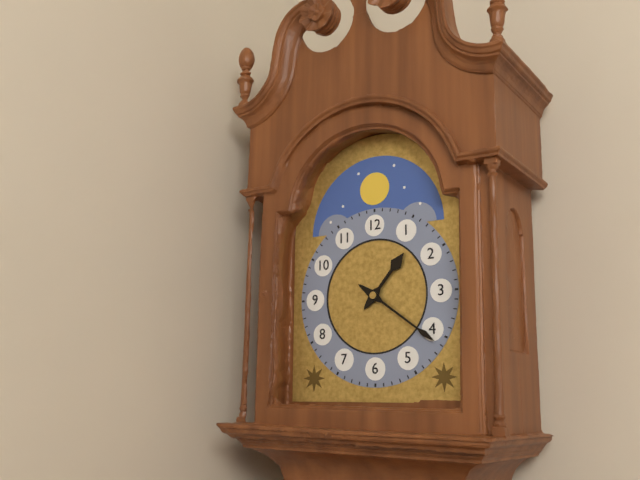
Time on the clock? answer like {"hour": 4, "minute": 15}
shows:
{"hour": 1, "minute": 21}
